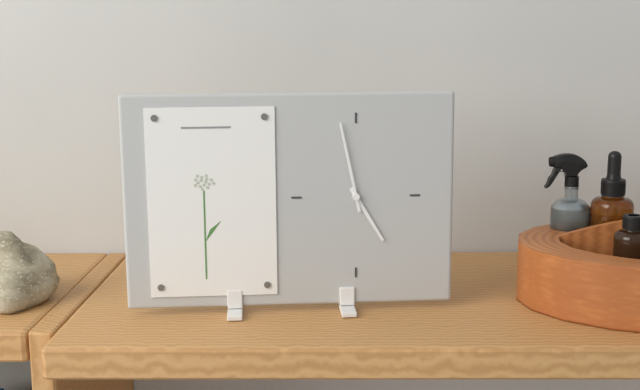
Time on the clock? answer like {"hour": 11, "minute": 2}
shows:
{"hour": 4, "minute": 58}
